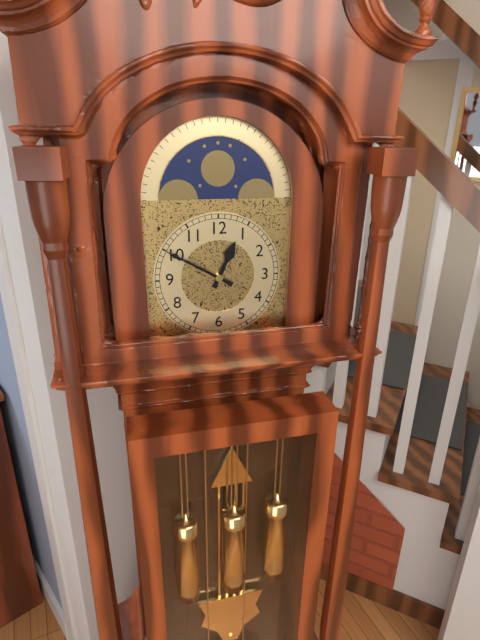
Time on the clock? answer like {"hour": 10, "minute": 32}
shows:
{"hour": 12, "minute": 50}
